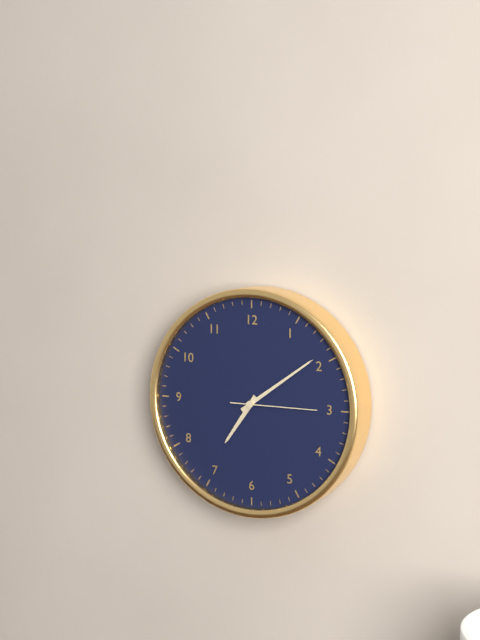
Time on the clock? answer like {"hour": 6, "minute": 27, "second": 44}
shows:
{"hour": 7, "minute": 9, "second": 15}
